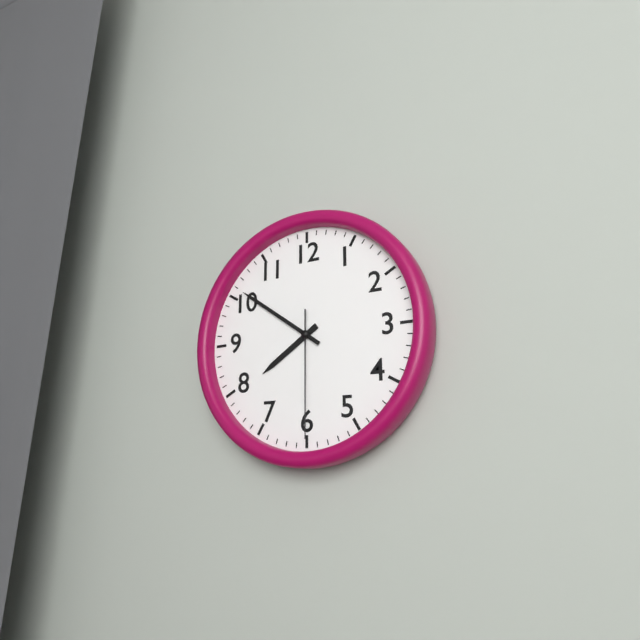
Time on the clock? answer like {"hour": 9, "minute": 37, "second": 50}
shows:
{"hour": 7, "minute": 51, "second": 30}
